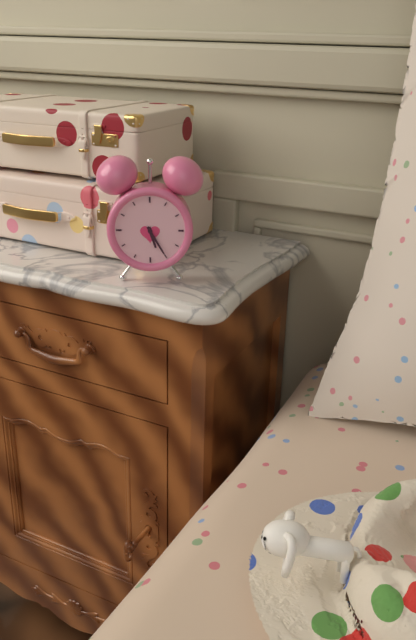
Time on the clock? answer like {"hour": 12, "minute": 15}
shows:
{"hour": 5, "minute": 25}
